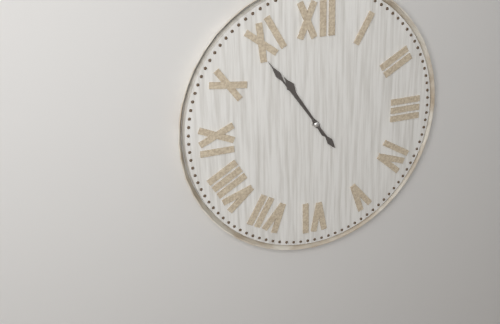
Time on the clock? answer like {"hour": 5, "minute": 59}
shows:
{"hour": 10, "minute": 54}
